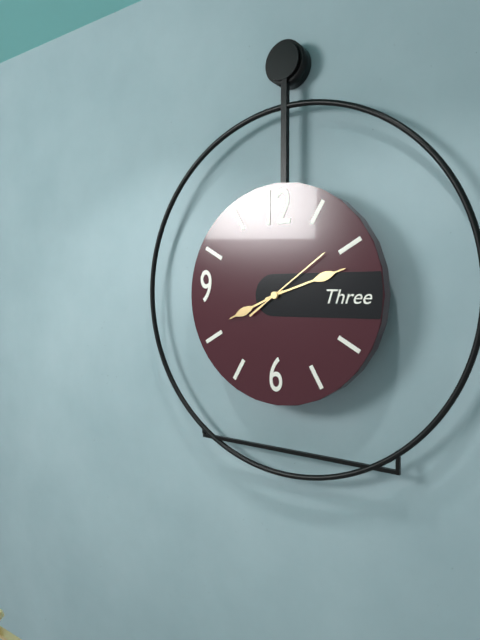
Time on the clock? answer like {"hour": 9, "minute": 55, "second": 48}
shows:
{"hour": 8, "minute": 12, "second": 9}
